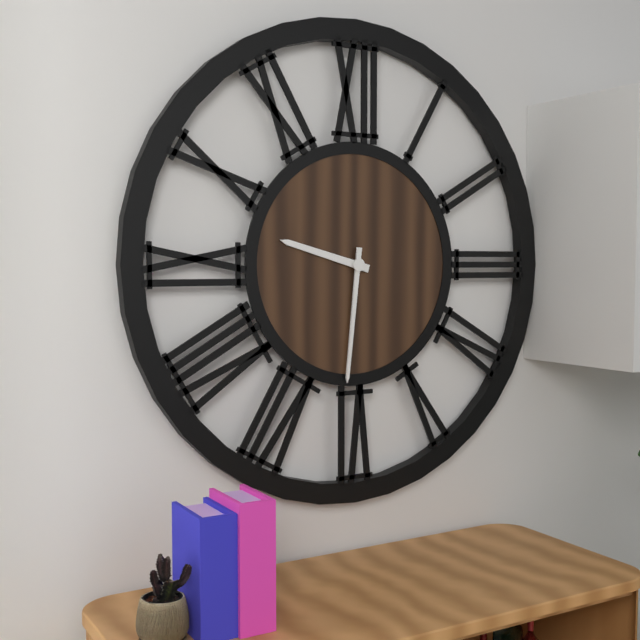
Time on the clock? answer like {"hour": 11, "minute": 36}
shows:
{"hour": 9, "minute": 31}
